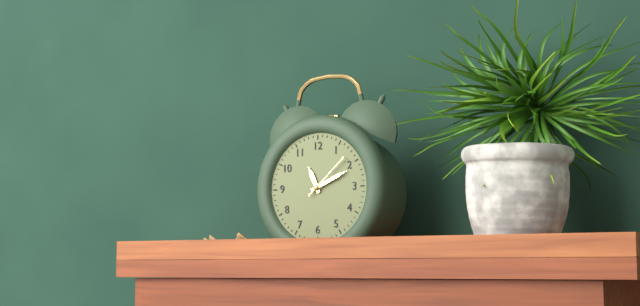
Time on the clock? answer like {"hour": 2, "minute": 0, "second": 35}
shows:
{"hour": 11, "minute": 11, "second": 8}
